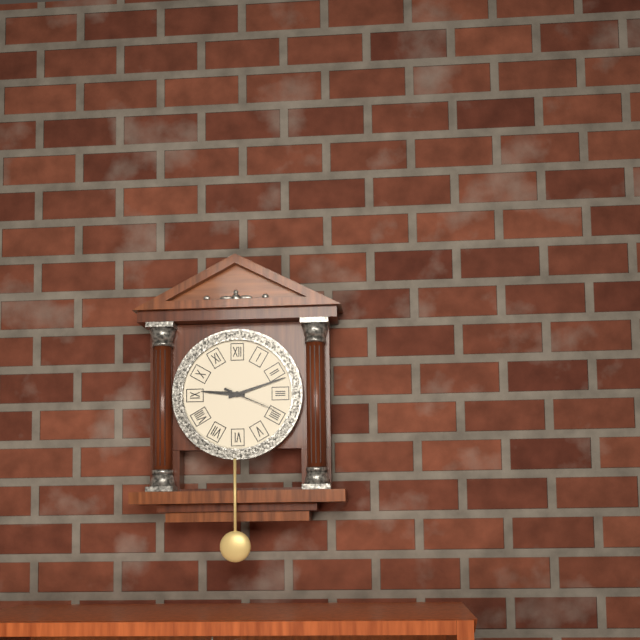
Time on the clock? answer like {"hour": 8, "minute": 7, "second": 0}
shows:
{"hour": 9, "minute": 12, "second": 19}
